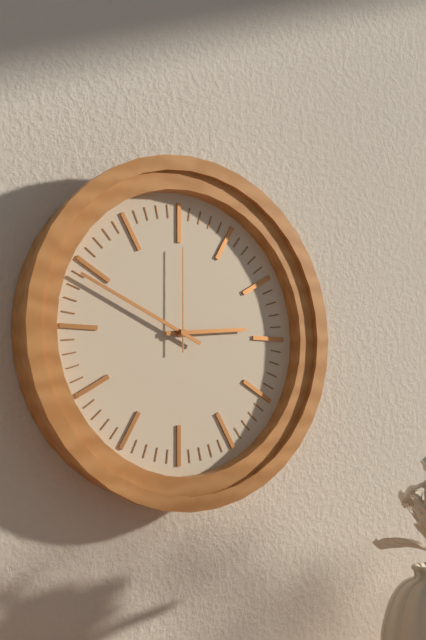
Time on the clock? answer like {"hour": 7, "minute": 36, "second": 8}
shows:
{"hour": 2, "minute": 49, "second": 0}
